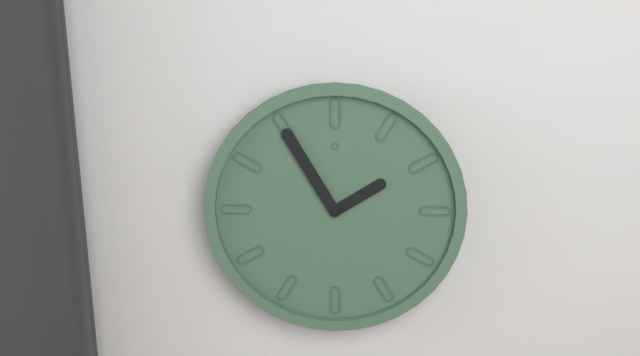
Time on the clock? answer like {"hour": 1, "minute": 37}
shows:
{"hour": 1, "minute": 55}
